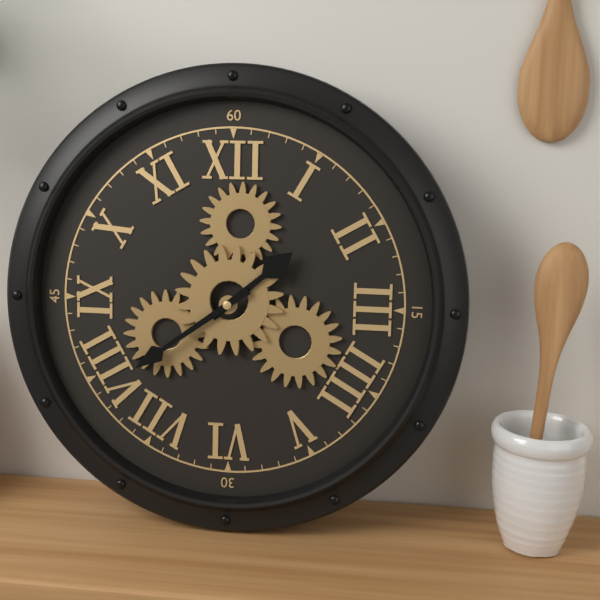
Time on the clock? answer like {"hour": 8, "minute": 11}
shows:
{"hour": 1, "minute": 39}
